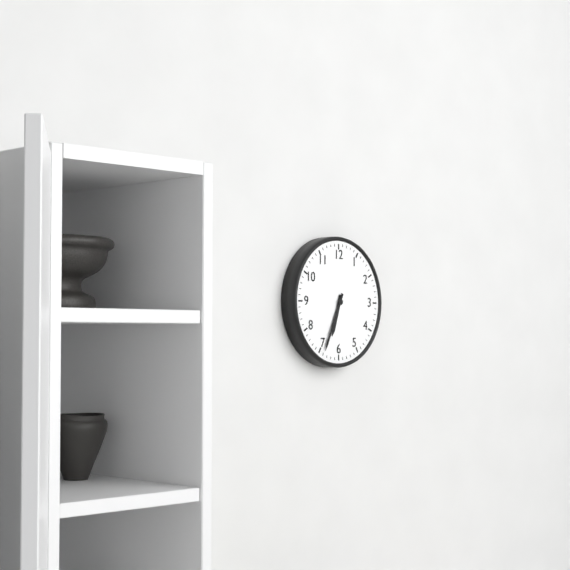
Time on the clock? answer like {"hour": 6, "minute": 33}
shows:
{"hour": 6, "minute": 34}
